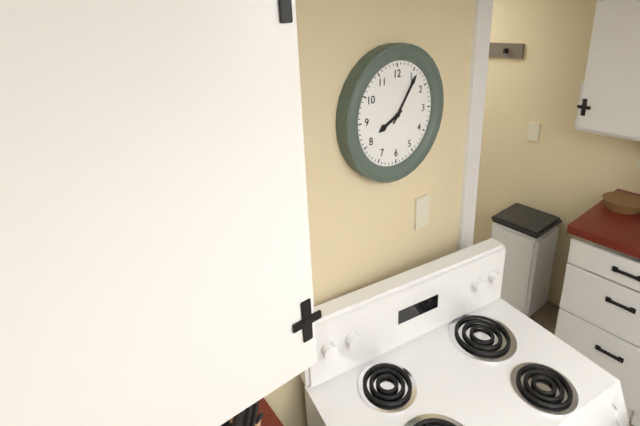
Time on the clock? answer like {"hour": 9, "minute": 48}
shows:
{"hour": 8, "minute": 6}
